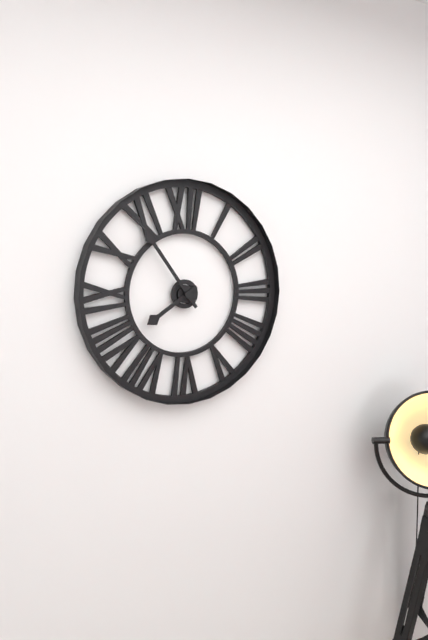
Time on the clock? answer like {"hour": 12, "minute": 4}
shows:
{"hour": 7, "minute": 54}
